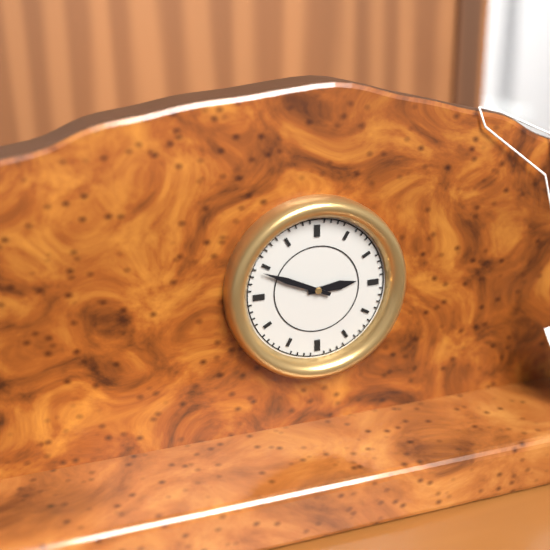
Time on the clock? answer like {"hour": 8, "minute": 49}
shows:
{"hour": 2, "minute": 49}
